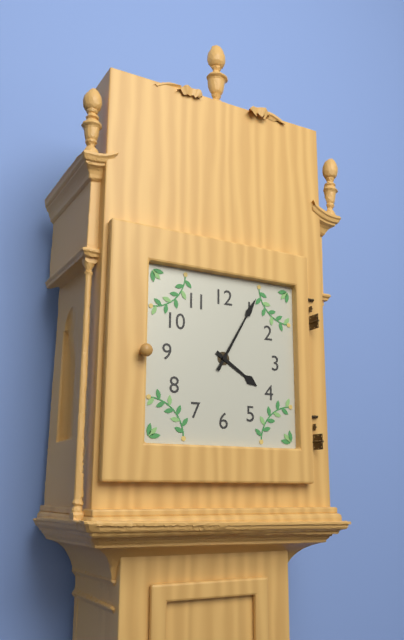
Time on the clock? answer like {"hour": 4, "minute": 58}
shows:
{"hour": 4, "minute": 5}
